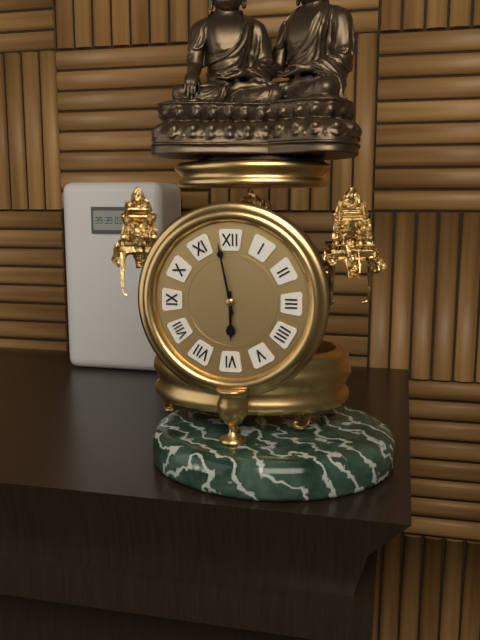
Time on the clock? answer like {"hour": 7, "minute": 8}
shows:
{"hour": 5, "minute": 58}
